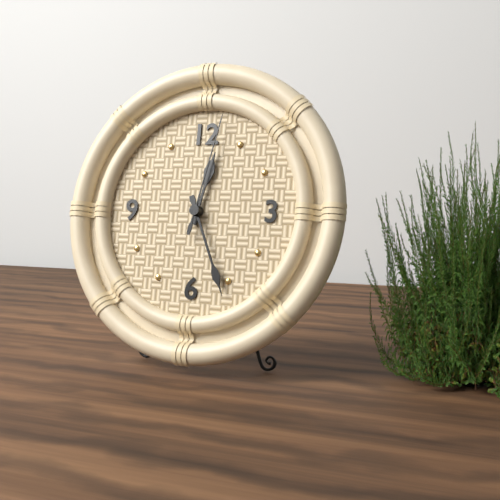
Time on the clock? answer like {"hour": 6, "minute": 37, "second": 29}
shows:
{"hour": 12, "minute": 26, "second": 2}
